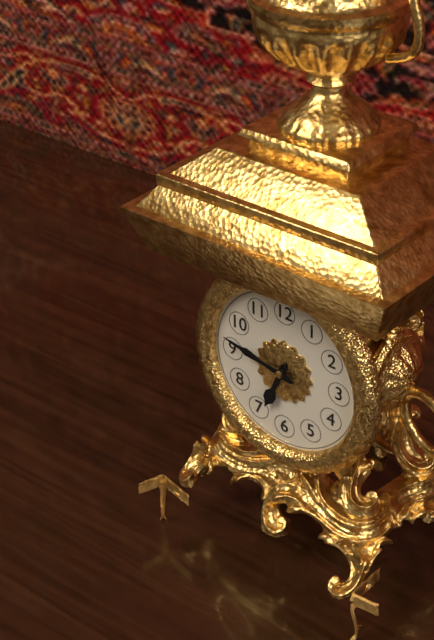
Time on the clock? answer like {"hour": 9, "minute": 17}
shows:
{"hour": 6, "minute": 47}
